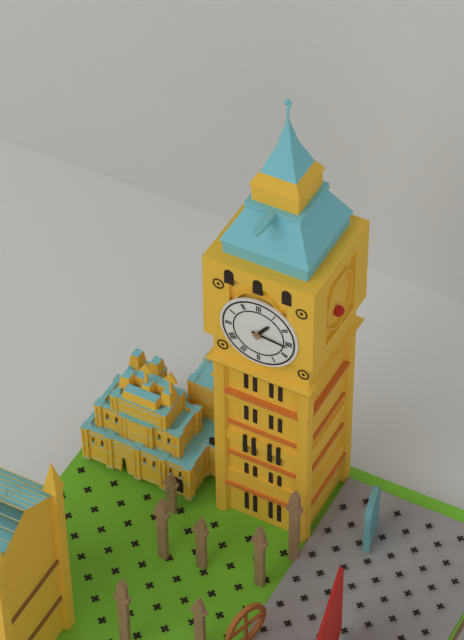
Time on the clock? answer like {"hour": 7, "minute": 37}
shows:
{"hour": 1, "minute": 16}
